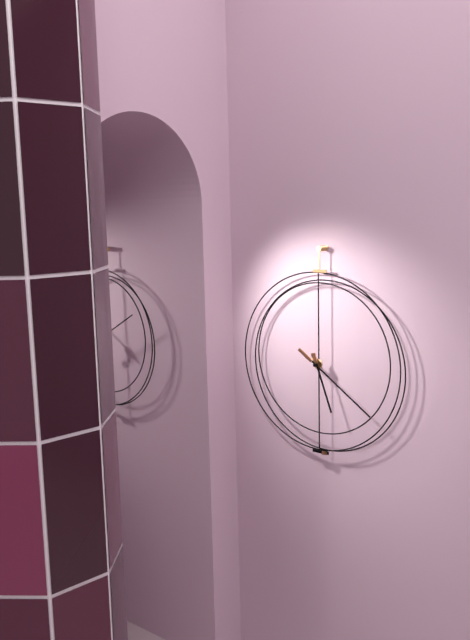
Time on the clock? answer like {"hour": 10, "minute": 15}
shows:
{"hour": 5, "minute": 21}
